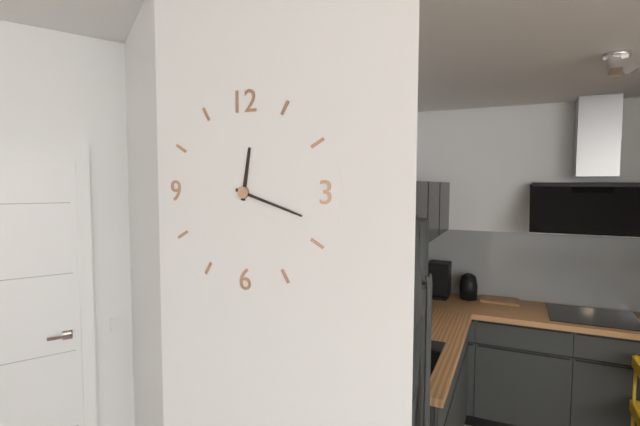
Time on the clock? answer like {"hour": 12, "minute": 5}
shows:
{"hour": 12, "minute": 18}
